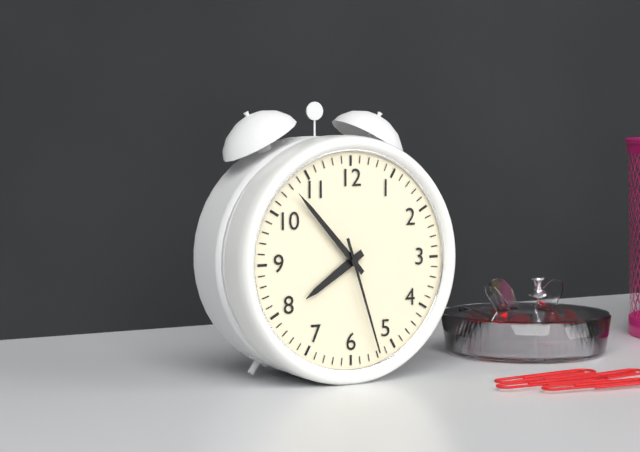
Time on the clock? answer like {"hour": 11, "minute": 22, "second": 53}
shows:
{"hour": 7, "minute": 53, "second": 27}
